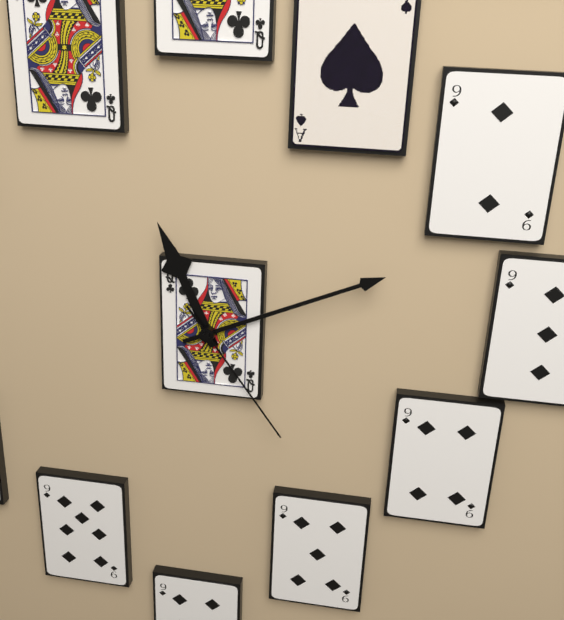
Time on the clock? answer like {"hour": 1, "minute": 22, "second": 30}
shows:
{"hour": 11, "minute": 11, "second": 24}
